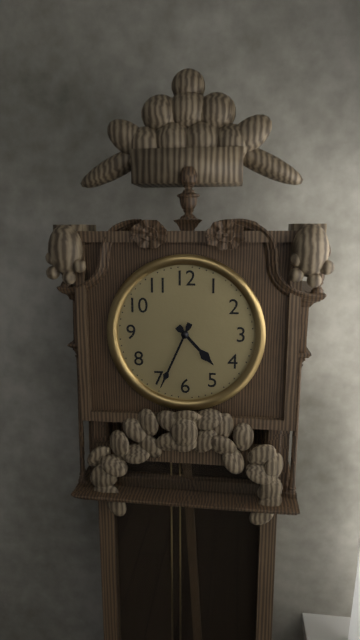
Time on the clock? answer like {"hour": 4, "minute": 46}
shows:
{"hour": 4, "minute": 34}
